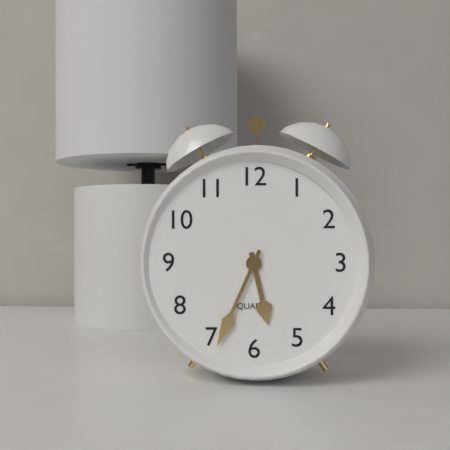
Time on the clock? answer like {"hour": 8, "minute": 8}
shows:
{"hour": 5, "minute": 34}
